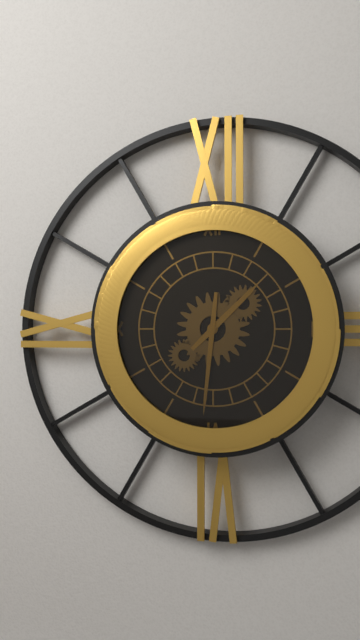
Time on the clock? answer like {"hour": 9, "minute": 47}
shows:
{"hour": 1, "minute": 31}
